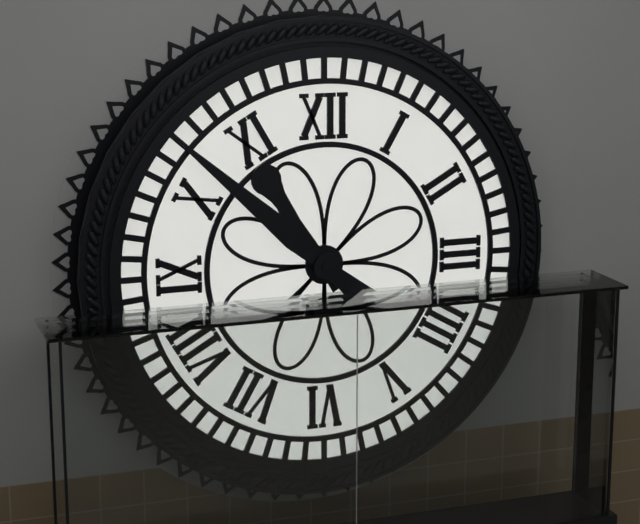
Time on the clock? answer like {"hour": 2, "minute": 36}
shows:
{"hour": 10, "minute": 52}
